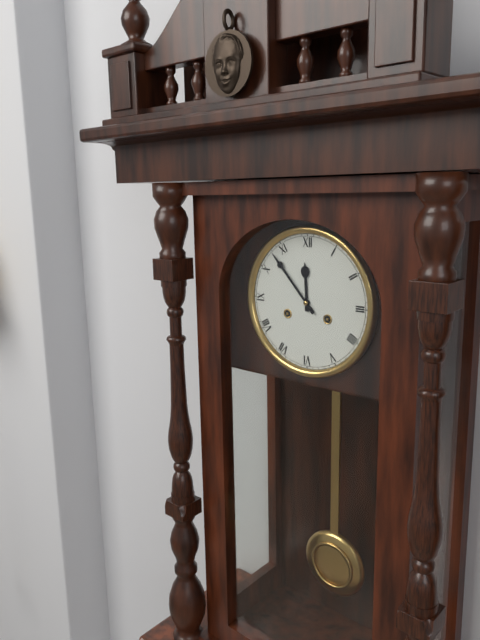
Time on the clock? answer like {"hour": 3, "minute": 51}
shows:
{"hour": 11, "minute": 53}
